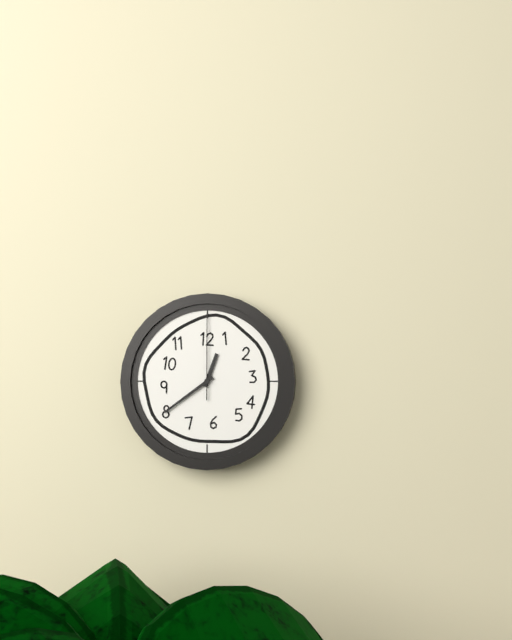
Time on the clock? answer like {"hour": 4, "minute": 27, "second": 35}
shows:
{"hour": 12, "minute": 39, "second": 0}
